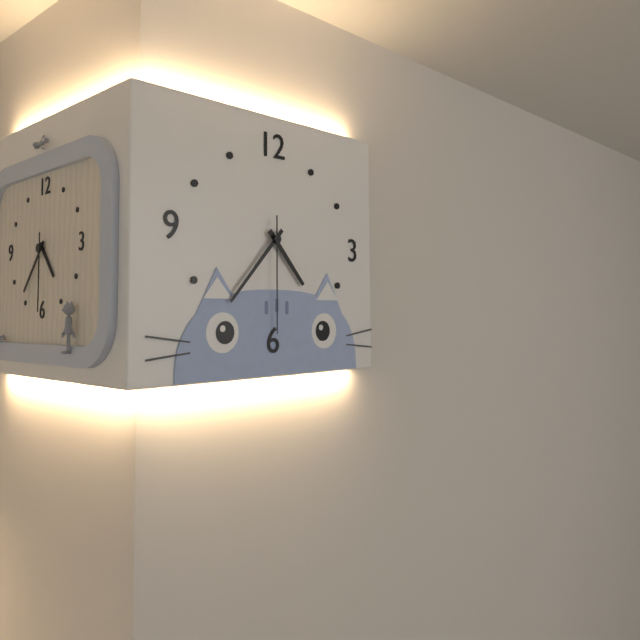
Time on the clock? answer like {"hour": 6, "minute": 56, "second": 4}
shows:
{"hour": 4, "minute": 37, "second": 30}
